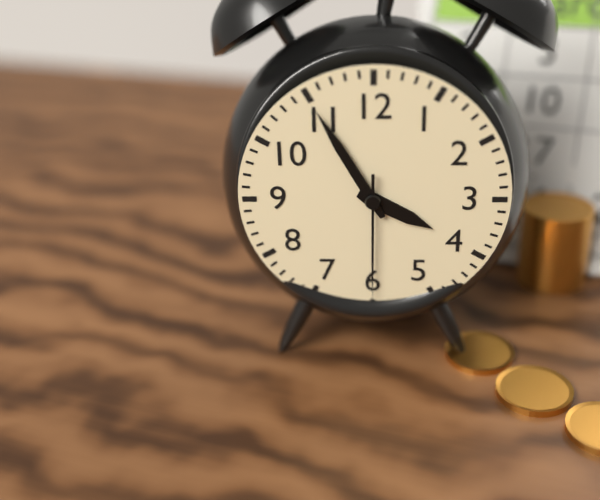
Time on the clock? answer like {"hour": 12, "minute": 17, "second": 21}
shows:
{"hour": 3, "minute": 55, "second": 30}
